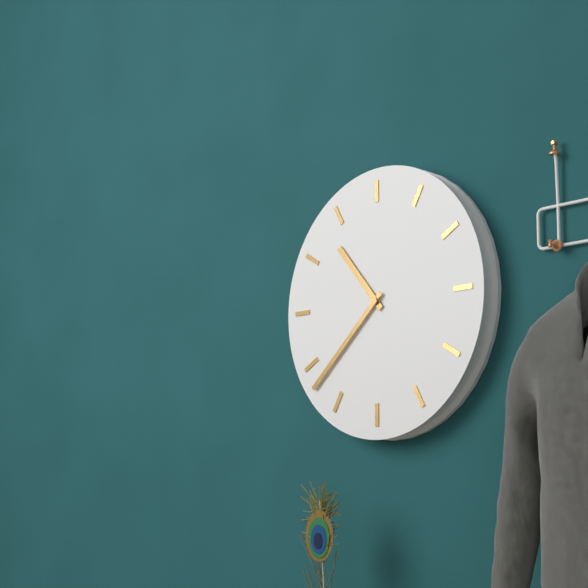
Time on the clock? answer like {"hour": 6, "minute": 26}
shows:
{"hour": 10, "minute": 38}
